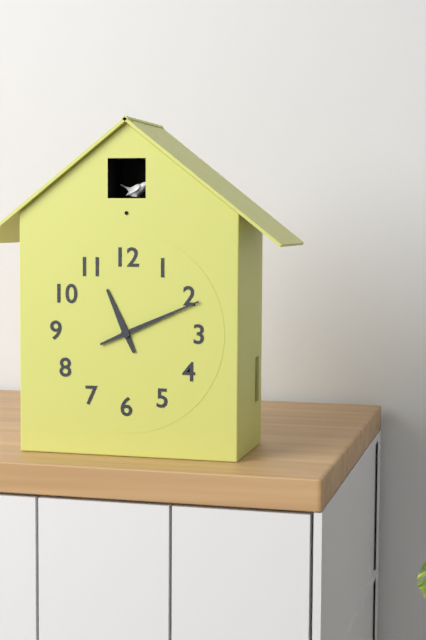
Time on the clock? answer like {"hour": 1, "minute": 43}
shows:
{"hour": 11, "minute": 11}
